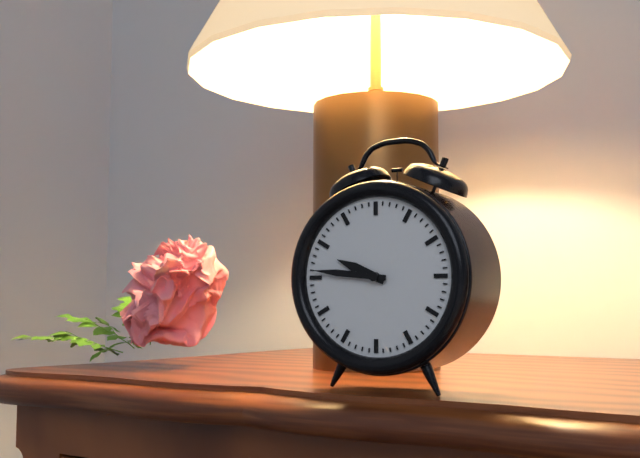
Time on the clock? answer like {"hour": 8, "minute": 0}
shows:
{"hour": 9, "minute": 46}
